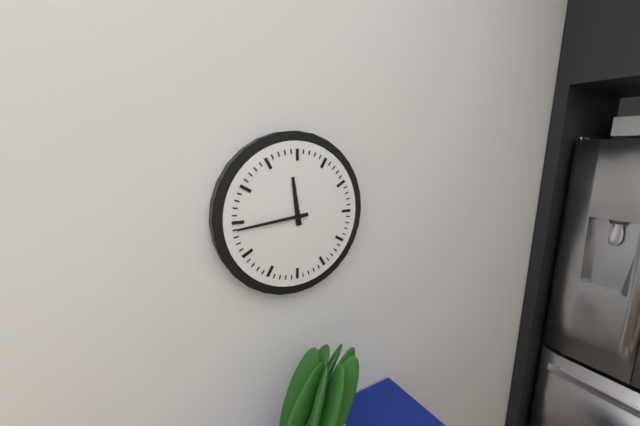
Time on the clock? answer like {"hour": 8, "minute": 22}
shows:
{"hour": 11, "minute": 44}
